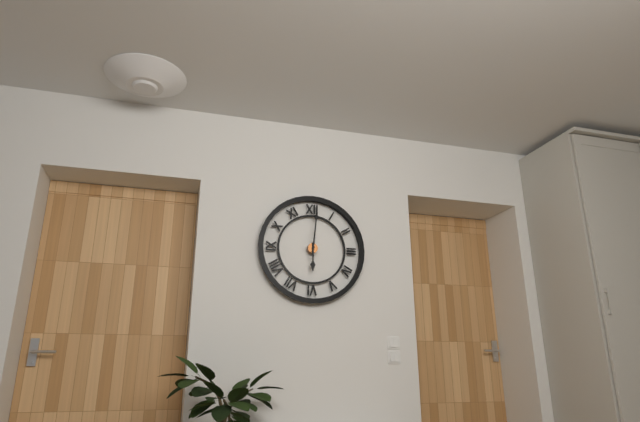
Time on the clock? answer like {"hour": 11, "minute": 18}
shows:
{"hour": 6, "minute": 1}
